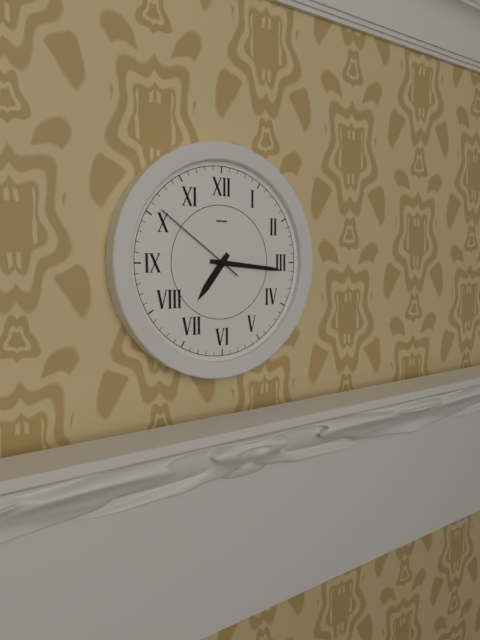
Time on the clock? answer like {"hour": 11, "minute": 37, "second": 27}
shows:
{"hour": 7, "minute": 16, "second": 51}
